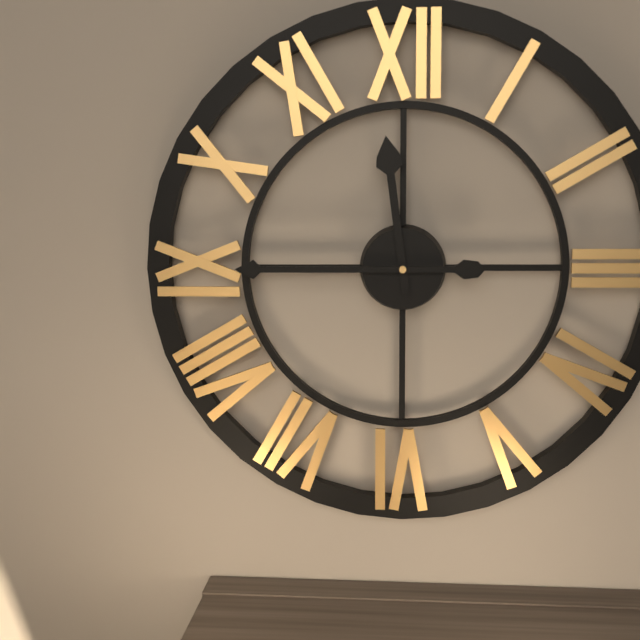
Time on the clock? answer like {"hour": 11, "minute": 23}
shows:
{"hour": 11, "minute": 45}
